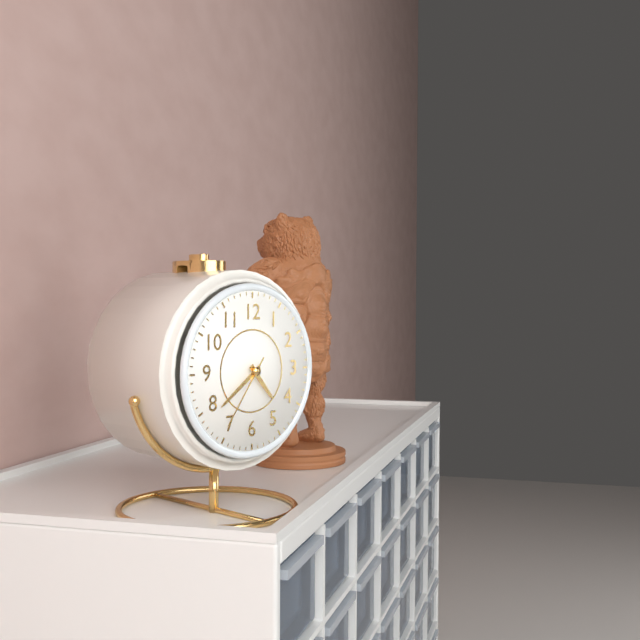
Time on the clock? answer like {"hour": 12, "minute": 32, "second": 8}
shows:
{"hour": 4, "minute": 39, "second": 36}
